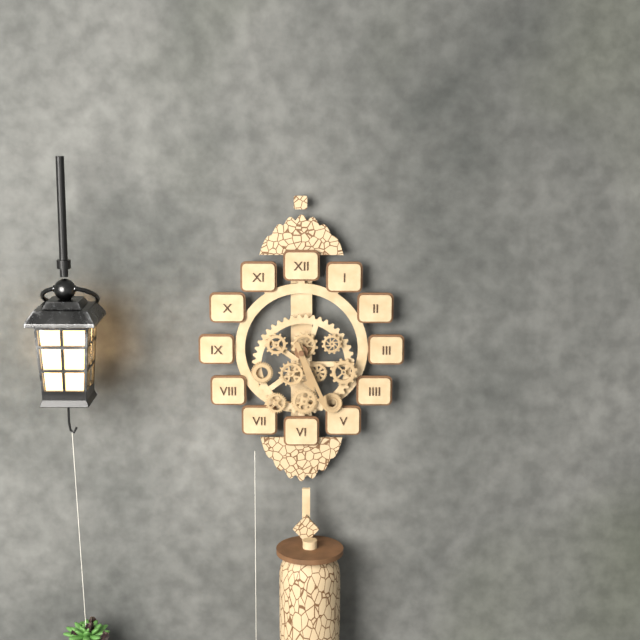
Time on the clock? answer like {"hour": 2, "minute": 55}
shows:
{"hour": 5, "minute": 26}
